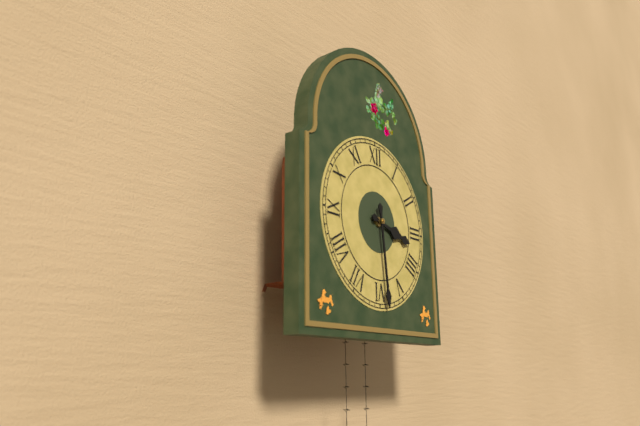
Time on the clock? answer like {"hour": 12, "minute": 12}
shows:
{"hour": 3, "minute": 29}
